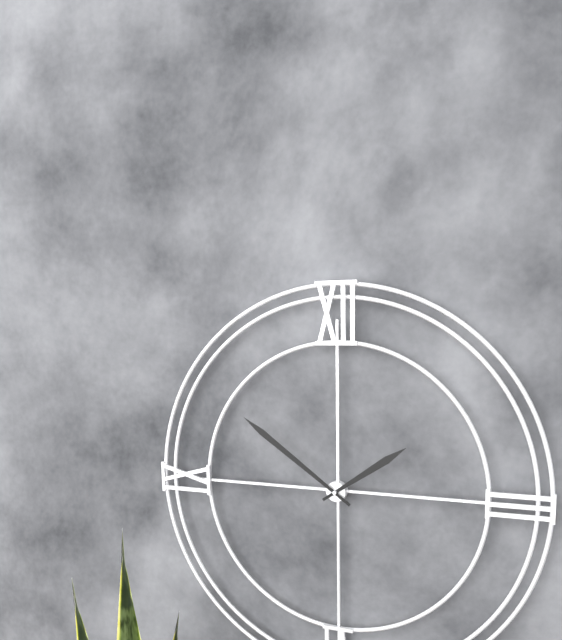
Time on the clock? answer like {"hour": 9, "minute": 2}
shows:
{"hour": 1, "minute": 51}
